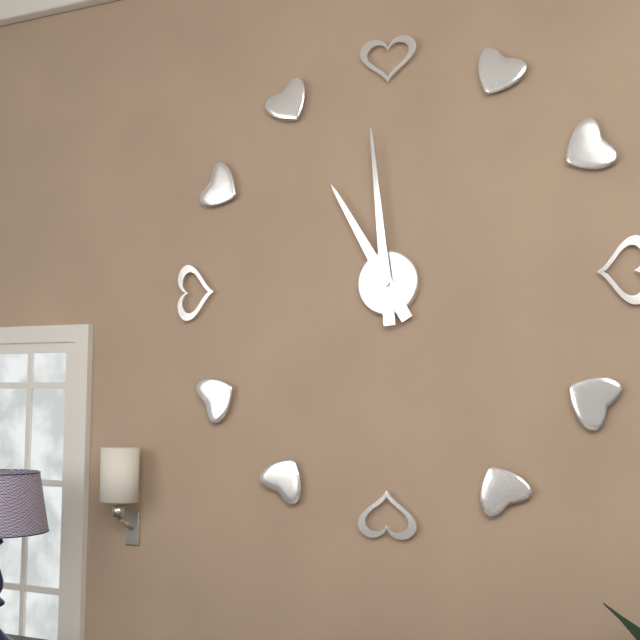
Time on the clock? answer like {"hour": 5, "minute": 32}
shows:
{"hour": 10, "minute": 59}
